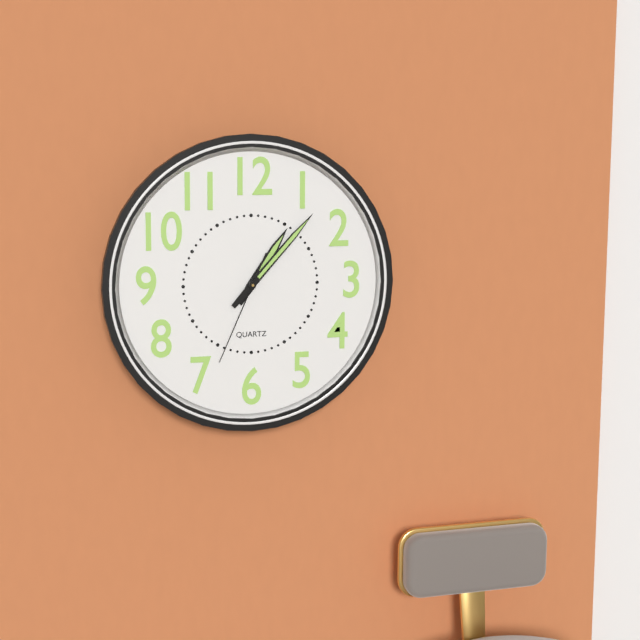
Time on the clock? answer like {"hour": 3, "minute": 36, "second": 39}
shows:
{"hour": 1, "minute": 7, "second": 34}
